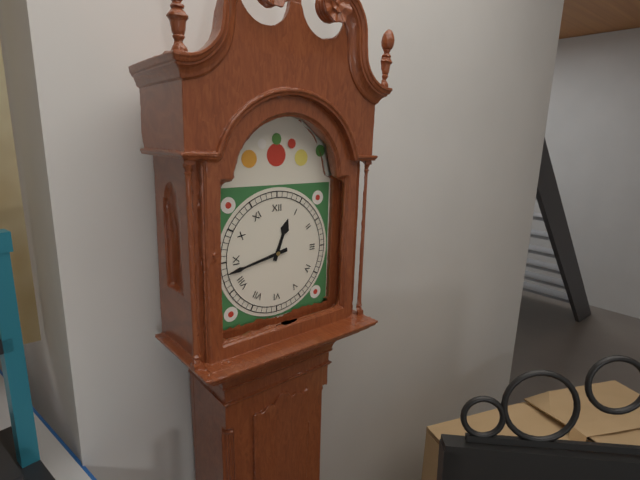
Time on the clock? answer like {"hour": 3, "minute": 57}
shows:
{"hour": 12, "minute": 43}
